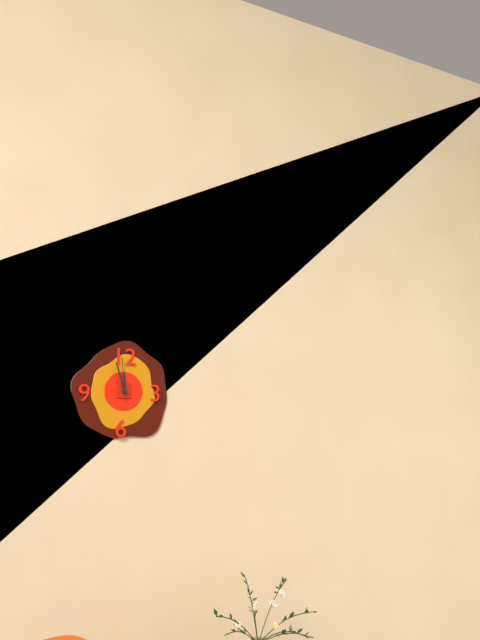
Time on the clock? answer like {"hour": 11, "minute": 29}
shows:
{"hour": 11, "minute": 57}
